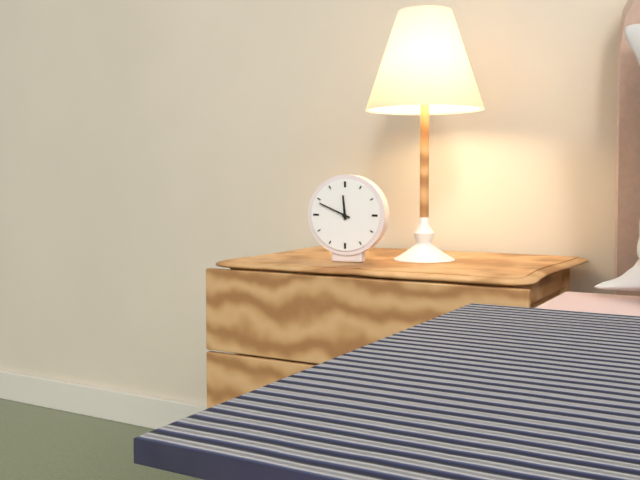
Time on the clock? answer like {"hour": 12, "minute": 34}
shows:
{"hour": 11, "minute": 49}
